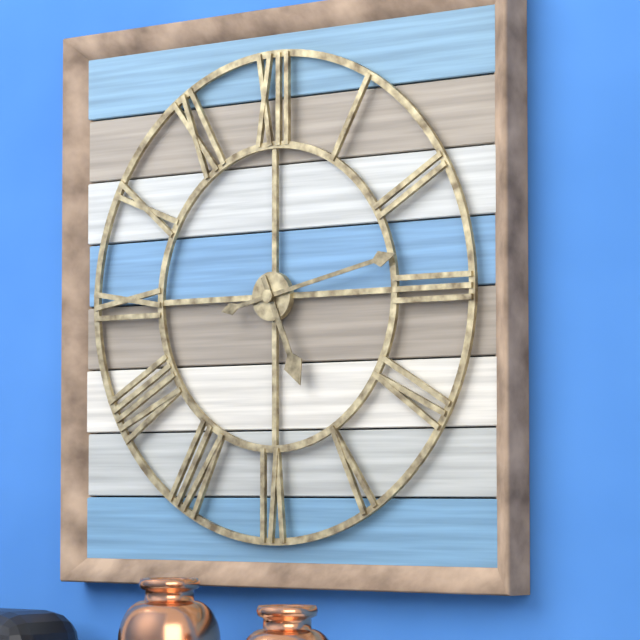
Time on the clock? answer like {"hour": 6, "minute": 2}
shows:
{"hour": 5, "minute": 13}
